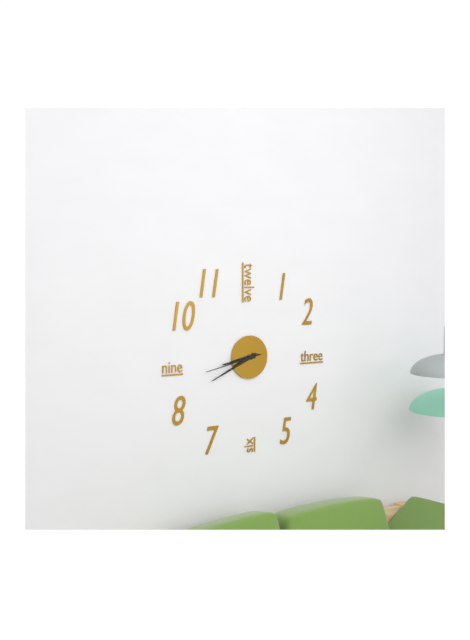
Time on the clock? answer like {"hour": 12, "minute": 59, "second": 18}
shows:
{"hour": 8, "minute": 41, "second": 43}
